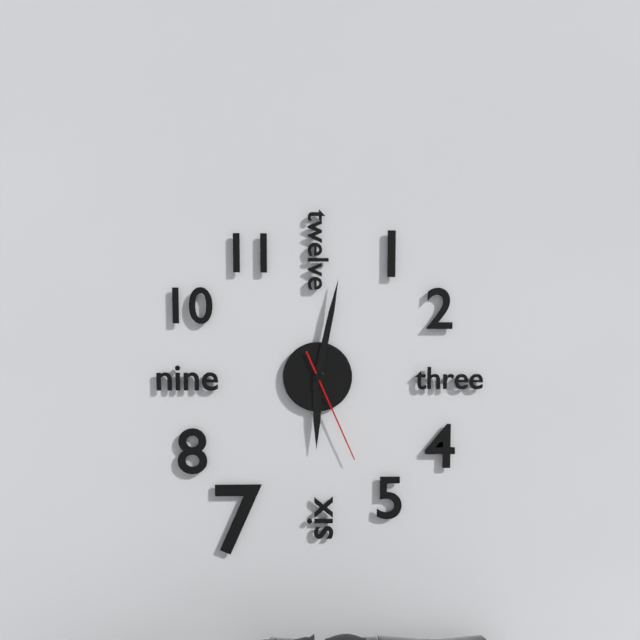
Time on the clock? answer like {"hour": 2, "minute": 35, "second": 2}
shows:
{"hour": 6, "minute": 2, "second": 26}
